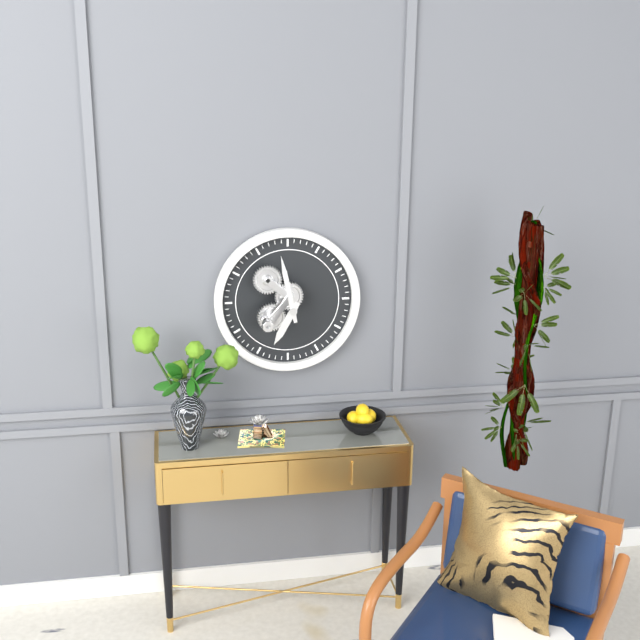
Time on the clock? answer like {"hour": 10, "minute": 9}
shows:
{"hour": 6, "minute": 58}
